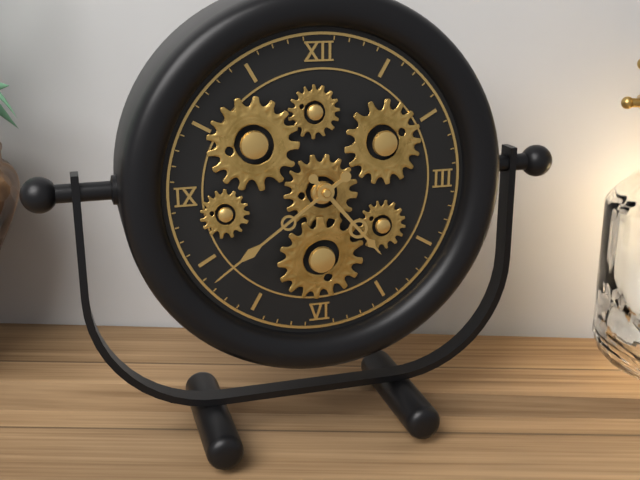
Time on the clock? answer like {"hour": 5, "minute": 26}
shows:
{"hour": 4, "minute": 39}
